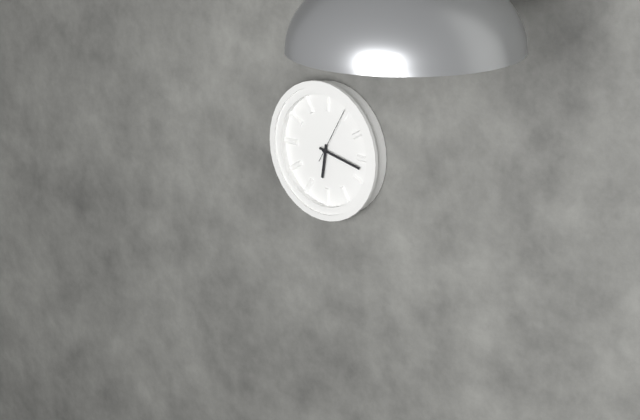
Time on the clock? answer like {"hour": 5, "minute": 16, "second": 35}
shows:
{"hour": 6, "minute": 17, "second": 5}
